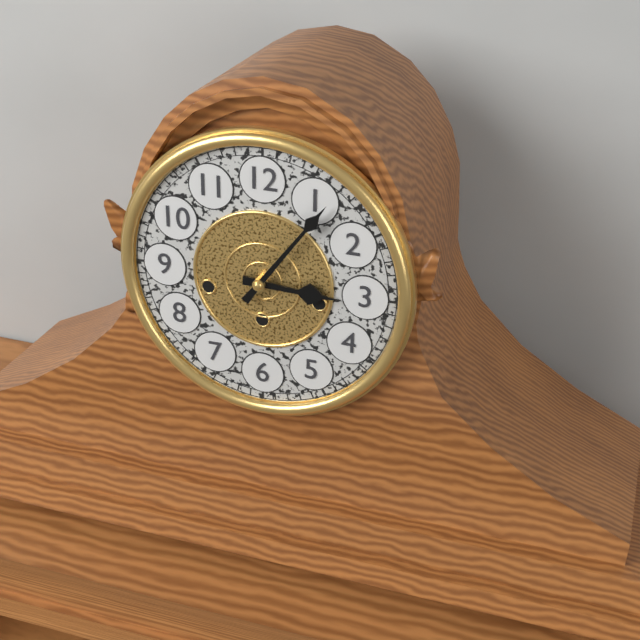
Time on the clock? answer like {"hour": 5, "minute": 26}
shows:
{"hour": 3, "minute": 6}
